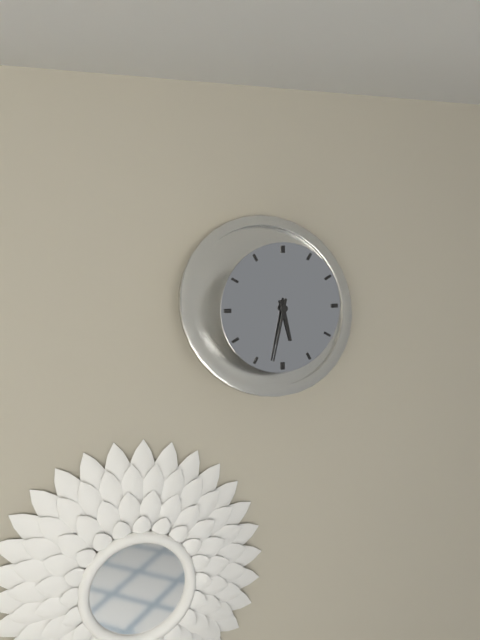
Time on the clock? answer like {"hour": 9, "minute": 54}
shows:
{"hour": 5, "minute": 32}
